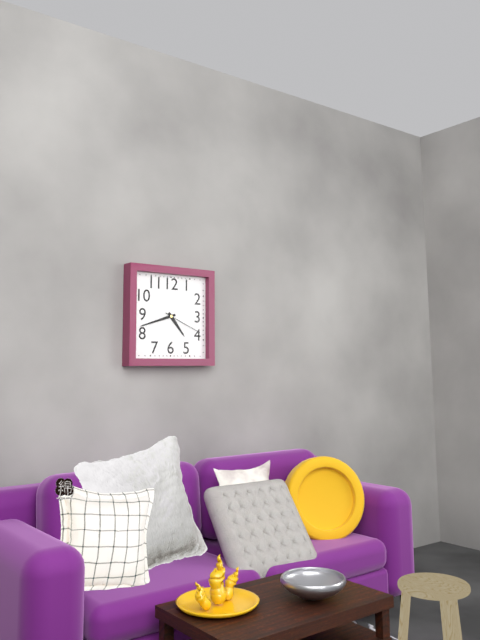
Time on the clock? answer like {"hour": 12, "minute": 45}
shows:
{"hour": 4, "minute": 42}
